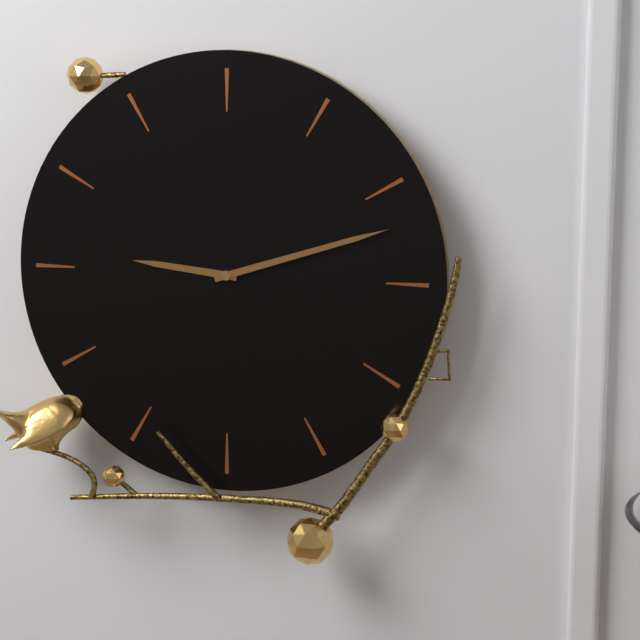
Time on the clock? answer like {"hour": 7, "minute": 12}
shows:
{"hour": 9, "minute": 12}
